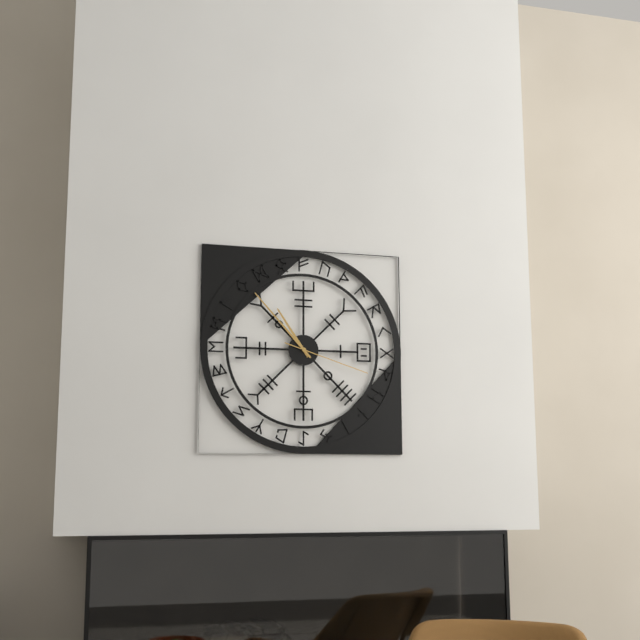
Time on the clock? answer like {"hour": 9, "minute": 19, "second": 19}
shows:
{"hour": 10, "minute": 53, "second": 18}
